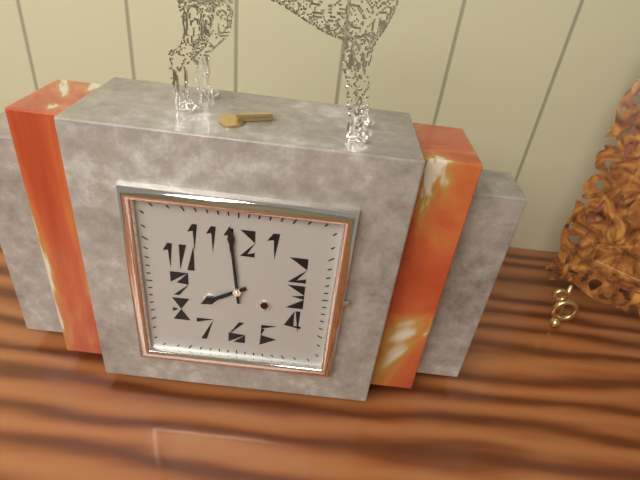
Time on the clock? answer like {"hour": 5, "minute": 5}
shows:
{"hour": 7, "minute": 59}
